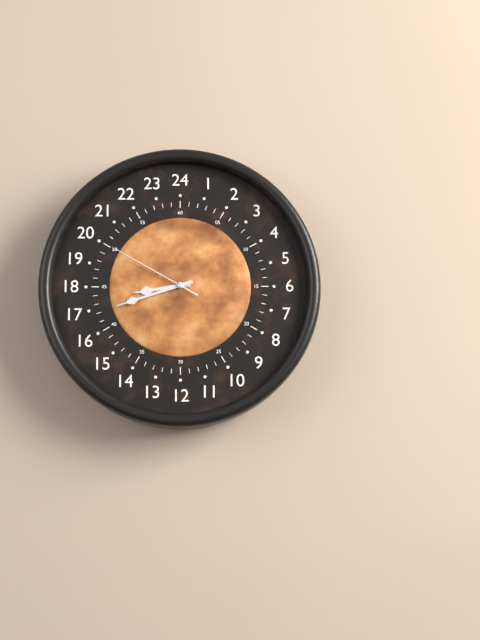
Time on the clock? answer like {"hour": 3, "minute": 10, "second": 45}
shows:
{"hour": 8, "minute": 42, "second": 50}
